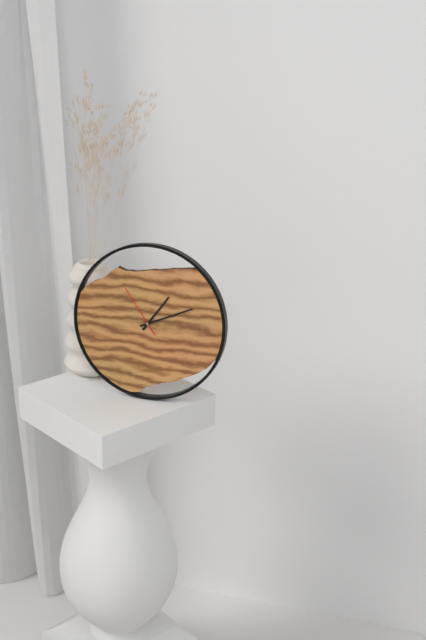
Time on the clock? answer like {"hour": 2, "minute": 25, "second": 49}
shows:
{"hour": 1, "minute": 11, "second": 54}
